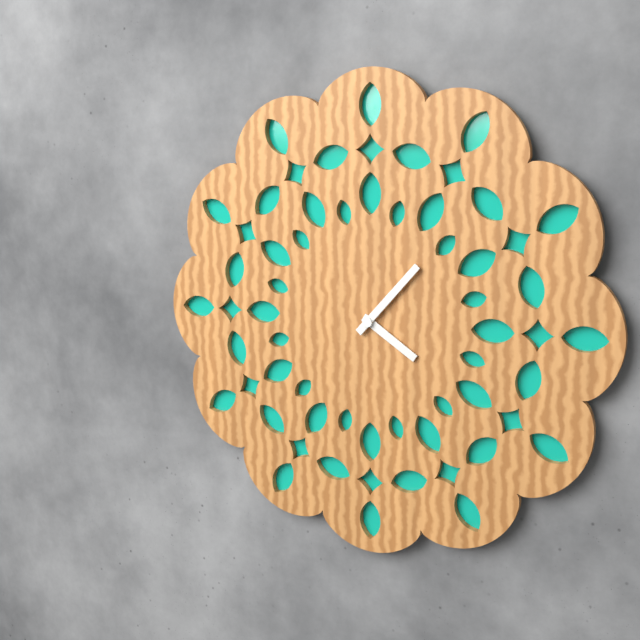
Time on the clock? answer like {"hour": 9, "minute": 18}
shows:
{"hour": 4, "minute": 7}
